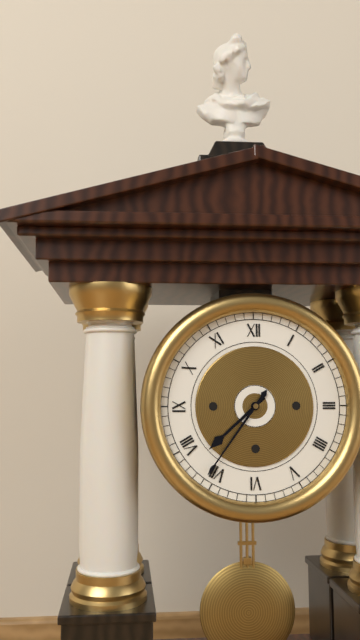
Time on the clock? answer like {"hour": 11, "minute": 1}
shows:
{"hour": 7, "minute": 36}
